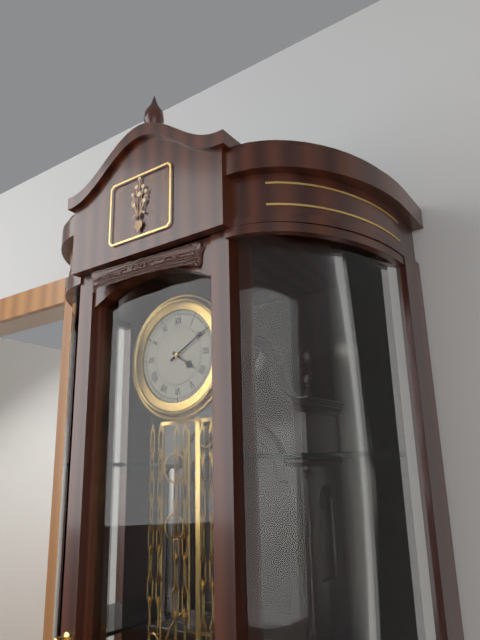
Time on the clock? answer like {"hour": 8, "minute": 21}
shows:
{"hour": 4, "minute": 10}
